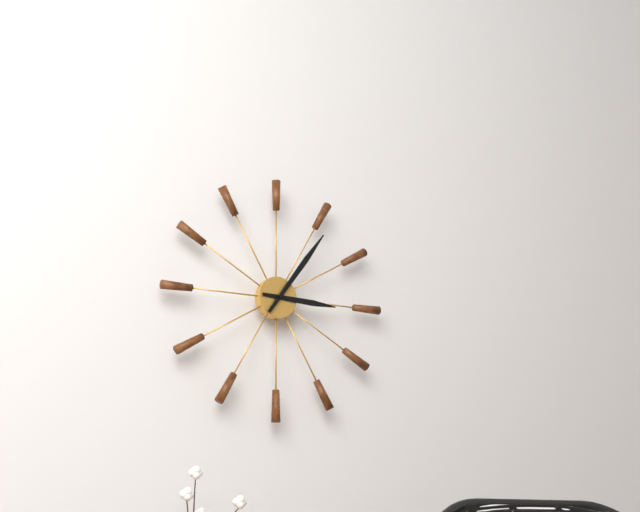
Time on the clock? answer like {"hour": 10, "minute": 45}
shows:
{"hour": 3, "minute": 6}
